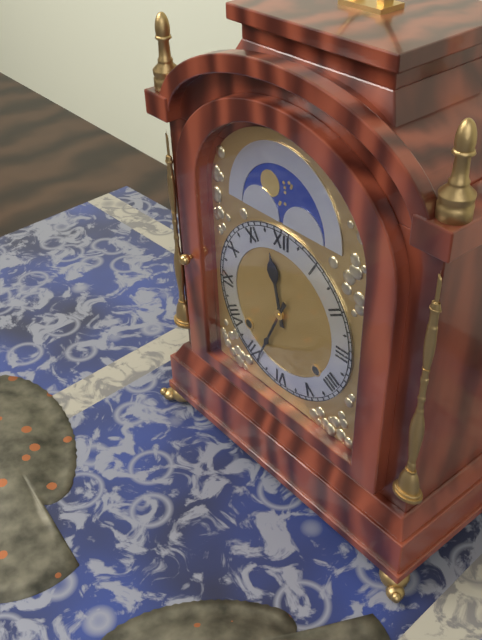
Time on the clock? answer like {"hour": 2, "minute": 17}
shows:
{"hour": 11, "minute": 34}
